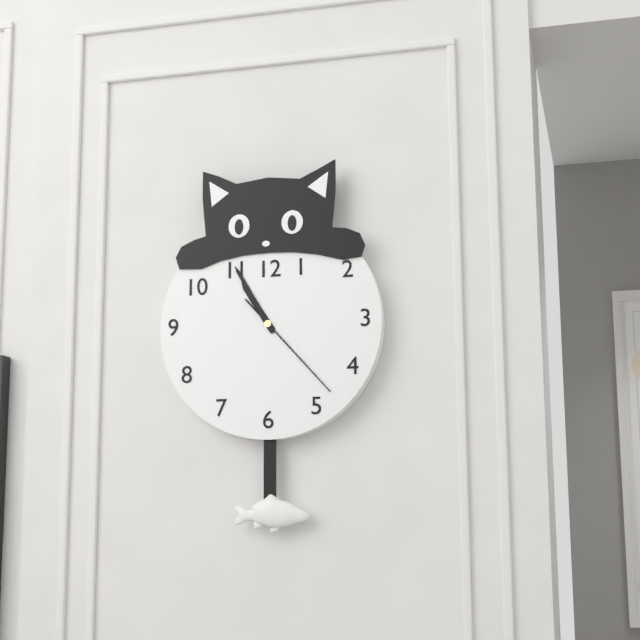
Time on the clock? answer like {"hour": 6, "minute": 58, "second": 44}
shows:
{"hour": 10, "minute": 55, "second": 23}
